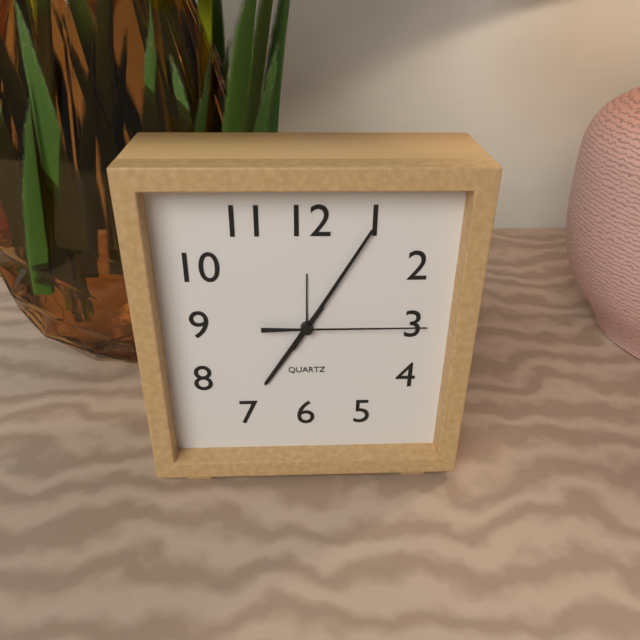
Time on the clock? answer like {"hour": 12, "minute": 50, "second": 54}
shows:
{"hour": 7, "minute": 5, "second": 15}
